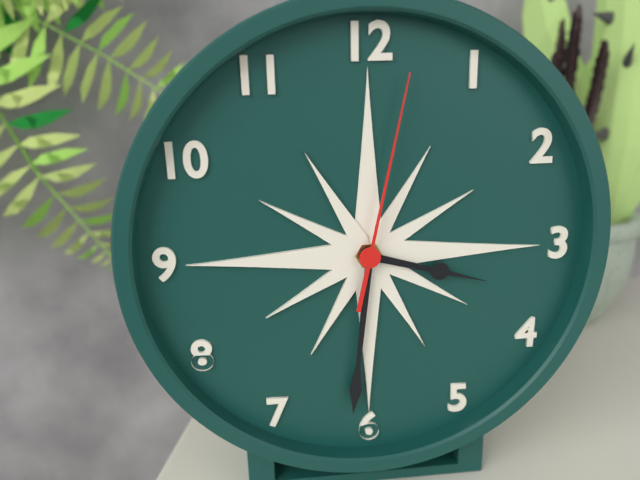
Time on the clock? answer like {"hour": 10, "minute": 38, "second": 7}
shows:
{"hour": 3, "minute": 31, "second": 2}
